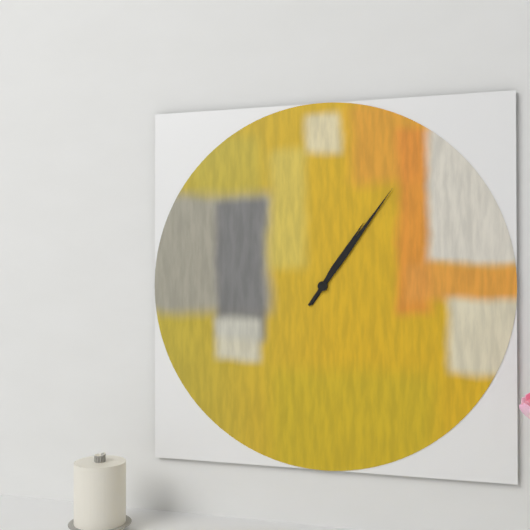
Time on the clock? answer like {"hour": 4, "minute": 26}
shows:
{"hour": 1, "minute": 6}
